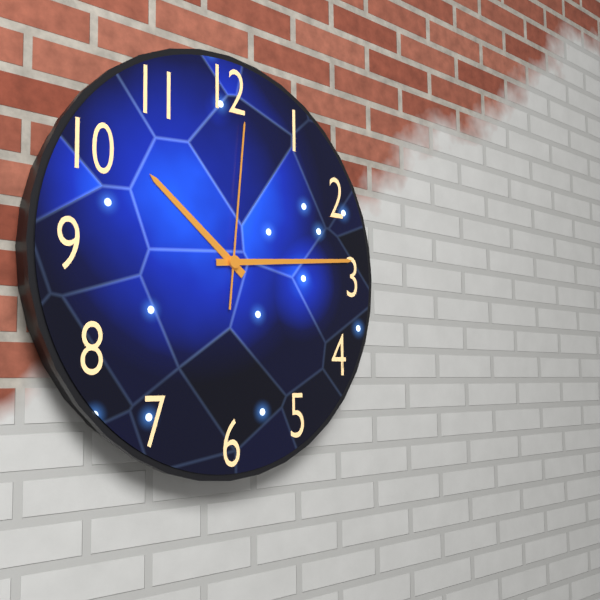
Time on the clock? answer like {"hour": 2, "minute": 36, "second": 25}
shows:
{"hour": 10, "minute": 14, "second": 1}
